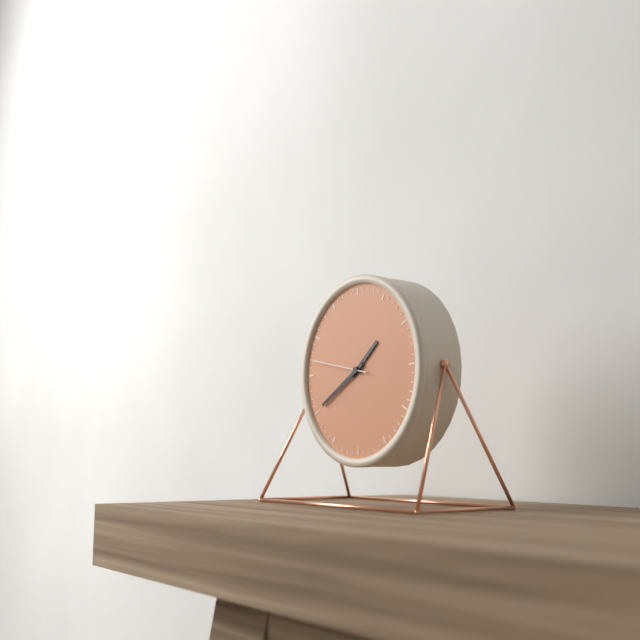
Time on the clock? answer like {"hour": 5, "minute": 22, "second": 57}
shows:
{"hour": 1, "minute": 40, "second": 47}
